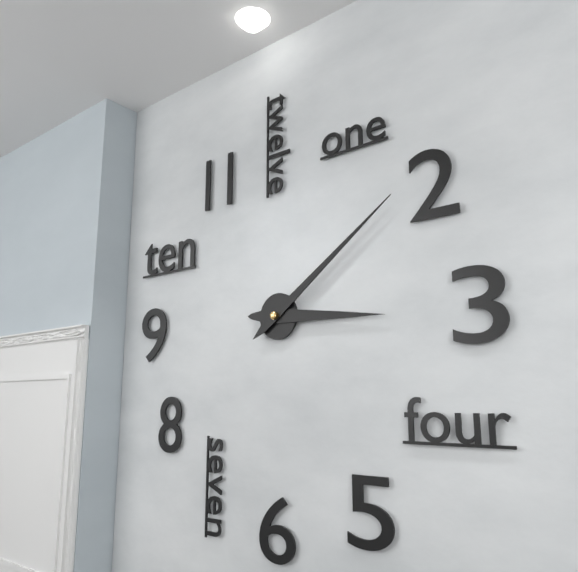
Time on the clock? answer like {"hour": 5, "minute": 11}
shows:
{"hour": 3, "minute": 9}
